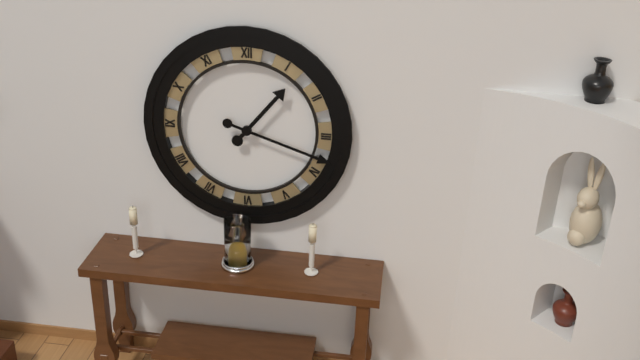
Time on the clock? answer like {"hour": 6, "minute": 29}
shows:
{"hour": 1, "minute": 18}
